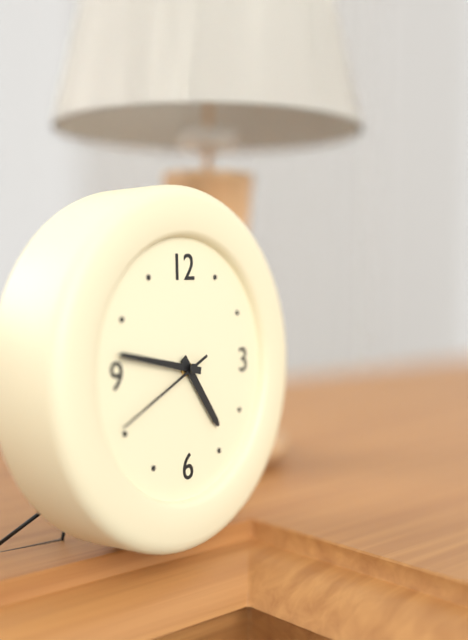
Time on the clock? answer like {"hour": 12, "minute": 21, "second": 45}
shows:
{"hour": 4, "minute": 47, "second": 41}
